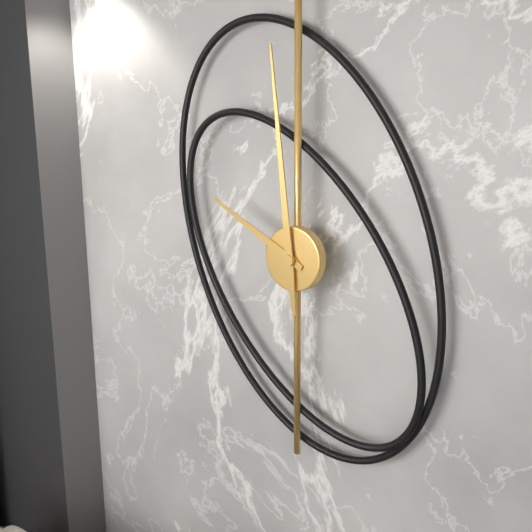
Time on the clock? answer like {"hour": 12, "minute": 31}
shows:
{"hour": 9, "minute": 59}
